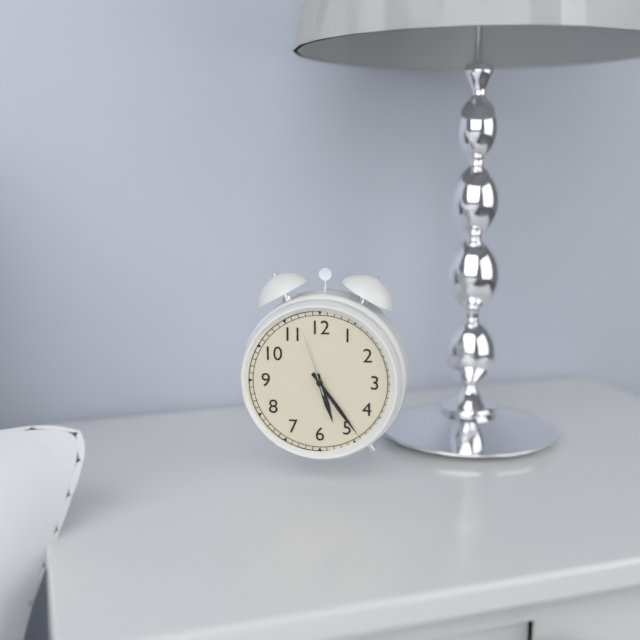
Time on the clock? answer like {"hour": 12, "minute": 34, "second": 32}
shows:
{"hour": 5, "minute": 24, "second": 57}
